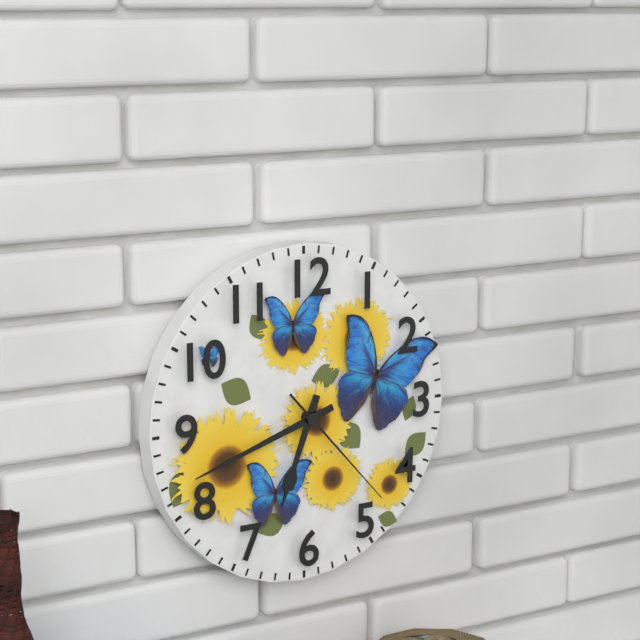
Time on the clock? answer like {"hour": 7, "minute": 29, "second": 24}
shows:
{"hour": 6, "minute": 42, "second": 23}
